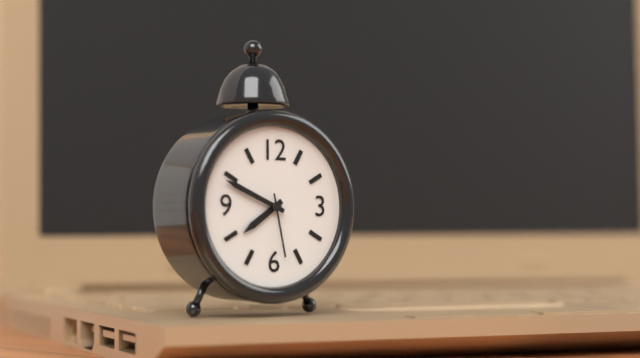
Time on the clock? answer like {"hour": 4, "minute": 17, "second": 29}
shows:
{"hour": 7, "minute": 49, "second": 28}
